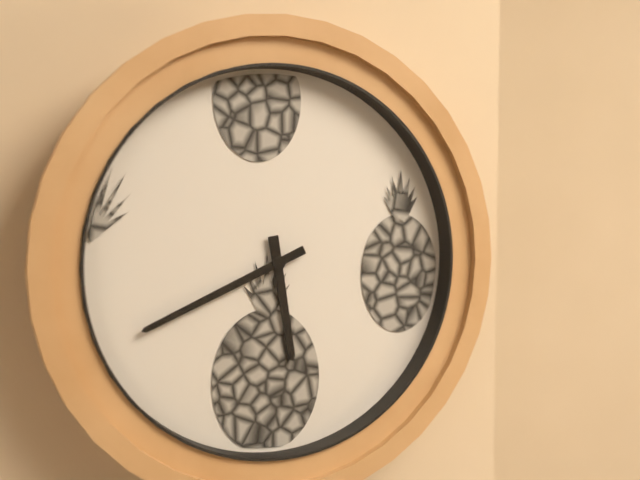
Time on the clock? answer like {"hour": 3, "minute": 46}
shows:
{"hour": 5, "minute": 41}
